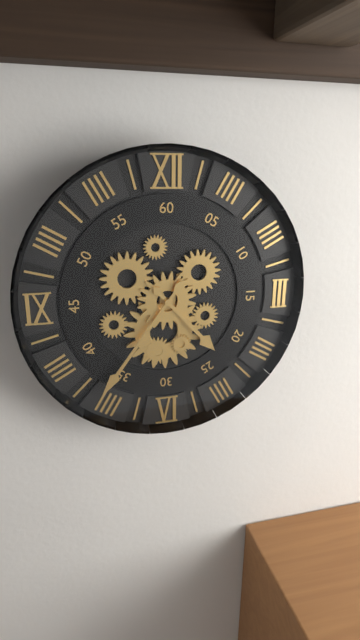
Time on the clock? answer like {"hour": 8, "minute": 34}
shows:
{"hour": 4, "minute": 36}
